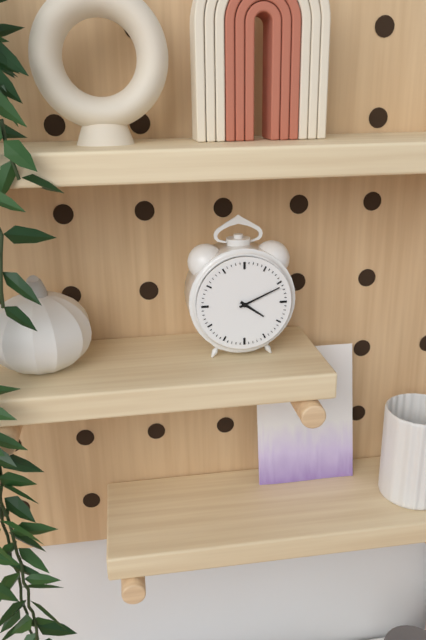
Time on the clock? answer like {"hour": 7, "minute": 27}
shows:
{"hour": 4, "minute": 11}
